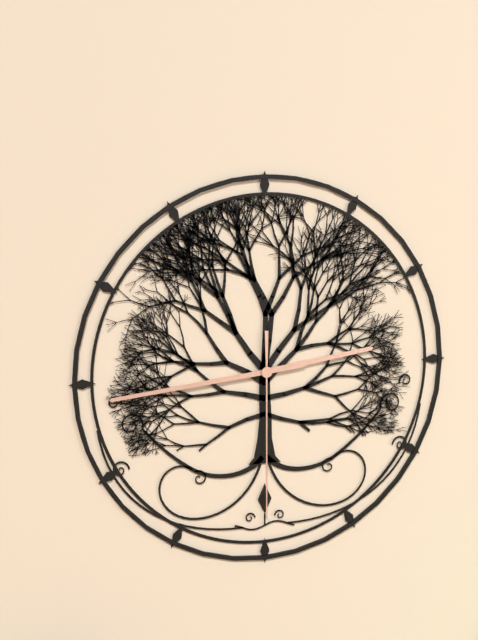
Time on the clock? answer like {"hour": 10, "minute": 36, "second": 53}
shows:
{"hour": 2, "minute": 44, "second": 30}
